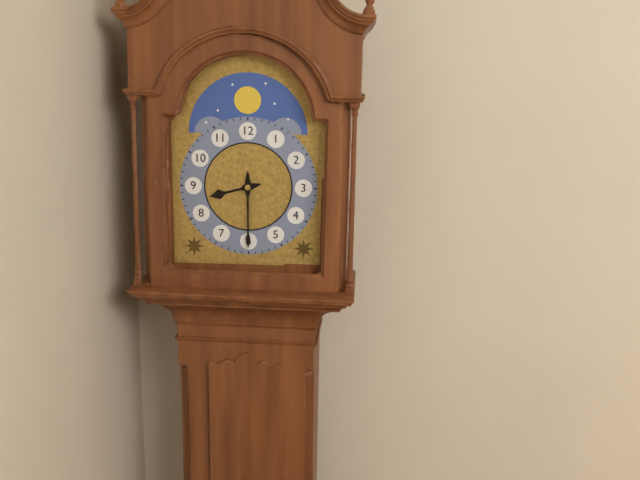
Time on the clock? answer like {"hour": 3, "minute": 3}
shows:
{"hour": 8, "minute": 30}
